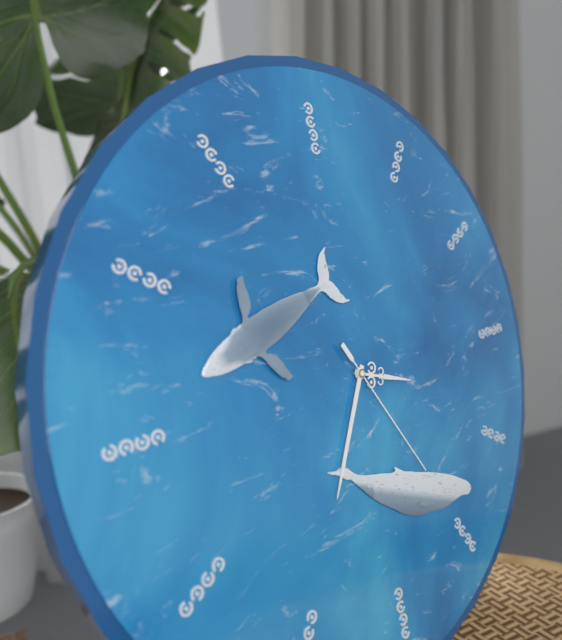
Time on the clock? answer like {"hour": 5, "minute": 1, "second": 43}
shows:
{"hour": 3, "minute": 35, "second": 25}
